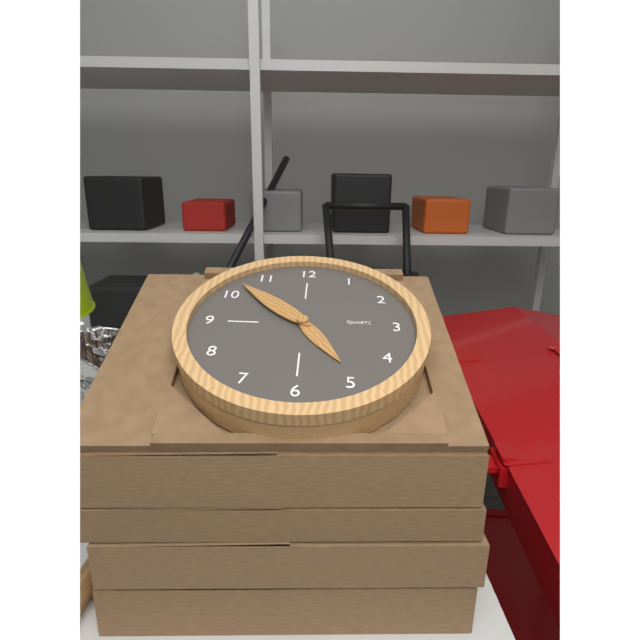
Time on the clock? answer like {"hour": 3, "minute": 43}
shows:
{"hour": 4, "minute": 52}
